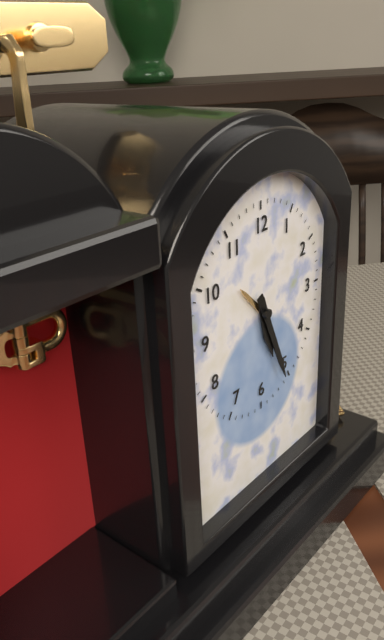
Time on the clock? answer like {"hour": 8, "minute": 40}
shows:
{"hour": 5, "minute": 26}
